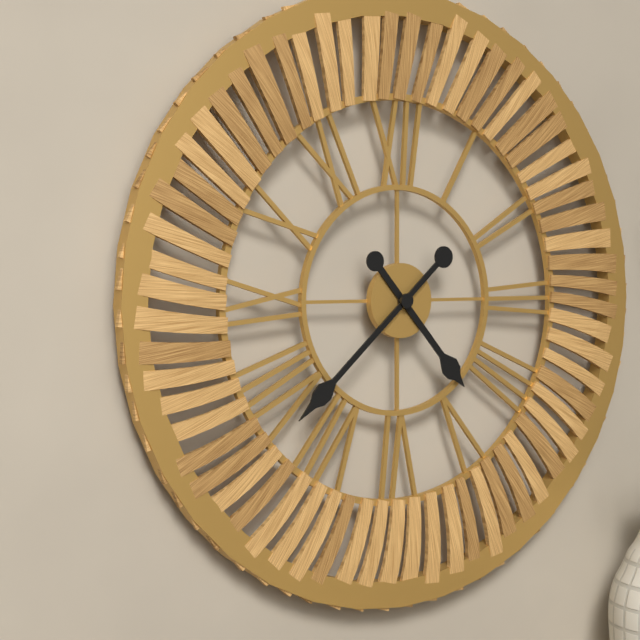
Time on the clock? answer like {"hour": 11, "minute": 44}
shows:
{"hour": 4, "minute": 38}
